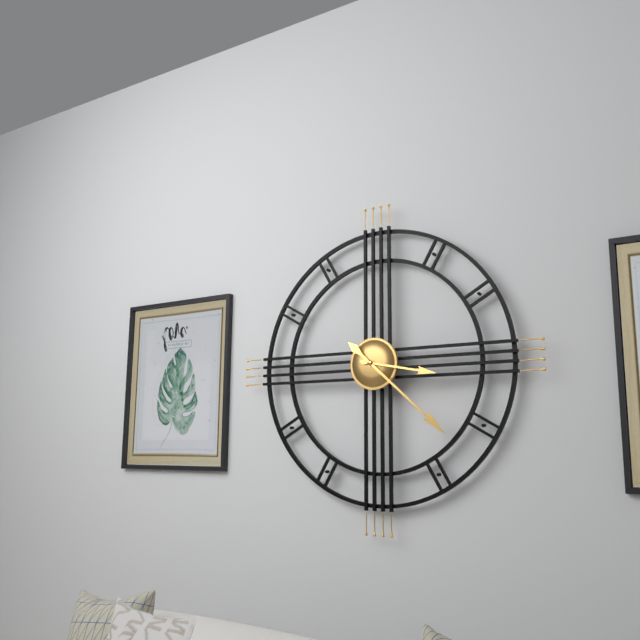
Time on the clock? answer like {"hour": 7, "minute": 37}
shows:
{"hour": 3, "minute": 22}
